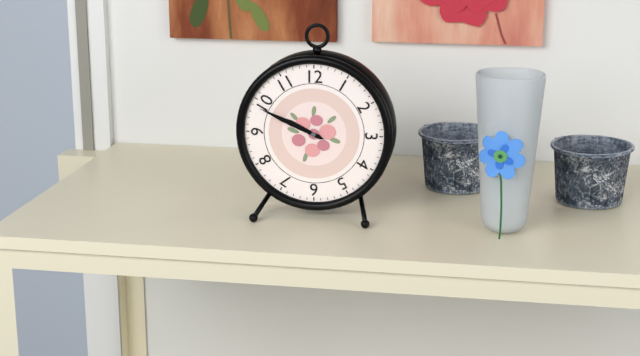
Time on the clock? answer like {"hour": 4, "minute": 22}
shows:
{"hour": 9, "minute": 49}
